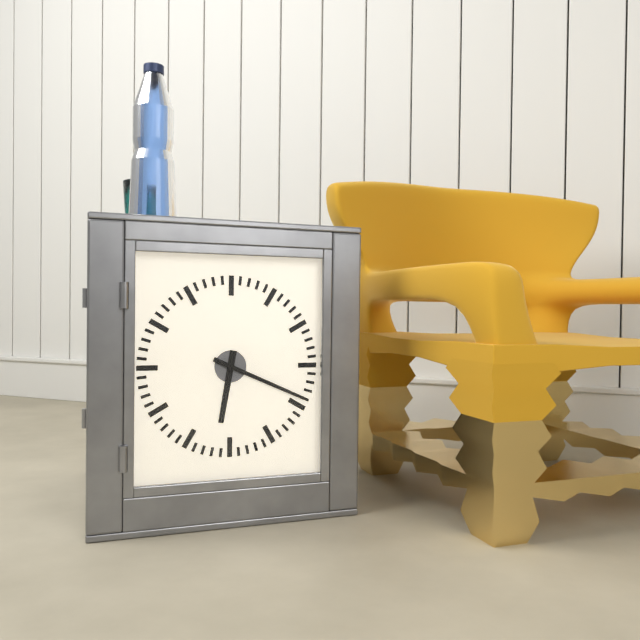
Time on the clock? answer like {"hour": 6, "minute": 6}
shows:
{"hour": 6, "minute": 19}
